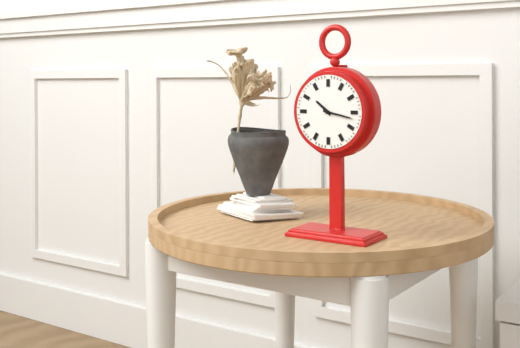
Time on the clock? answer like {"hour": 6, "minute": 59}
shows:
{"hour": 10, "minute": 17}
